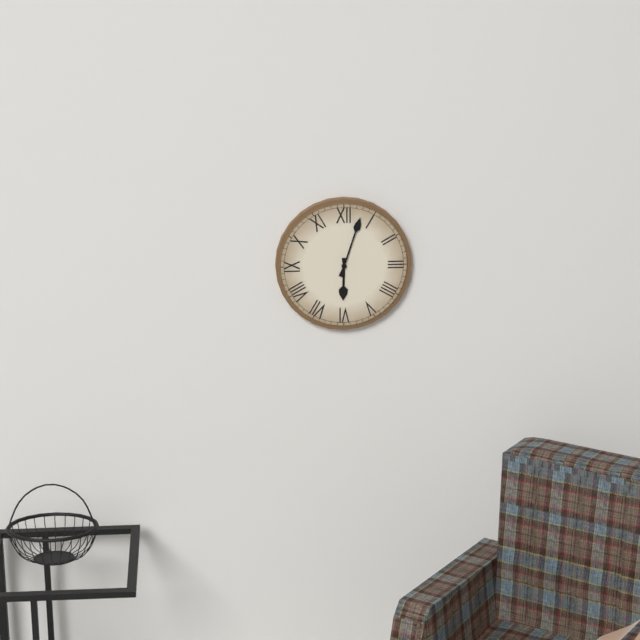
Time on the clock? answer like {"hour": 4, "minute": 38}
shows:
{"hour": 6, "minute": 3}
